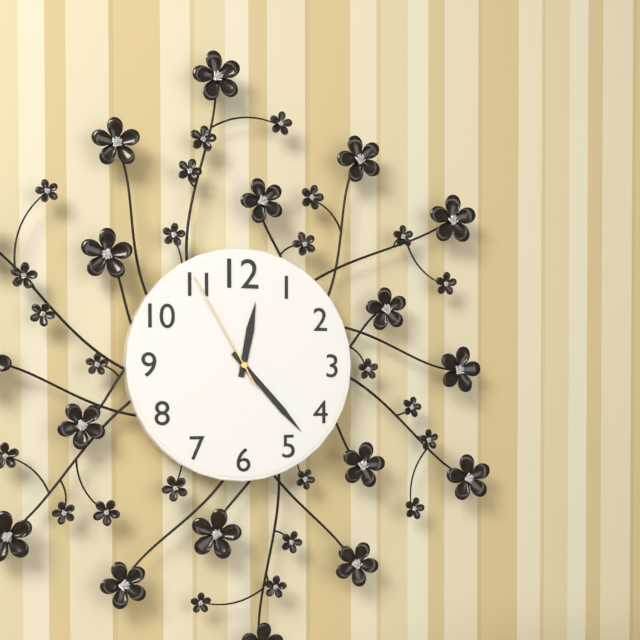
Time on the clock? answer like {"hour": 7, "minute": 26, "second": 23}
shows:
{"hour": 12, "minute": 23, "second": 55}
